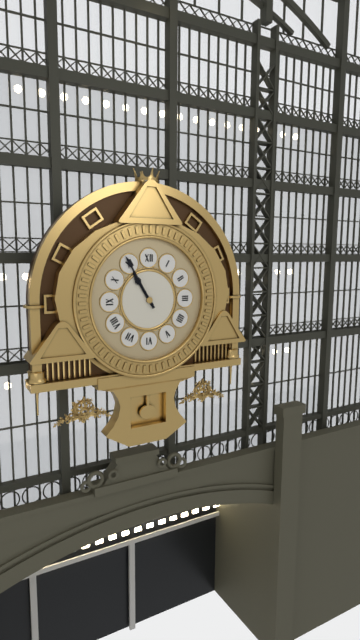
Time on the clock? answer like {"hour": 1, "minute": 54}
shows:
{"hour": 10, "minute": 55}
